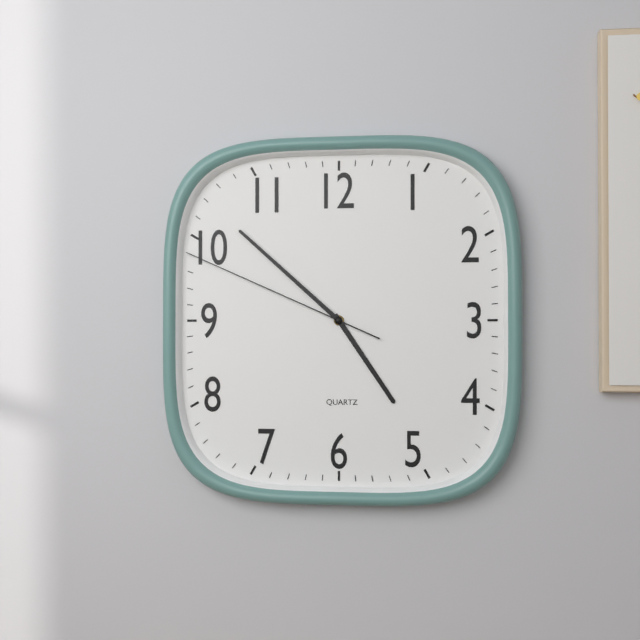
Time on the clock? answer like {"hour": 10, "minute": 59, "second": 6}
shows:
{"hour": 4, "minute": 52, "second": 49}
